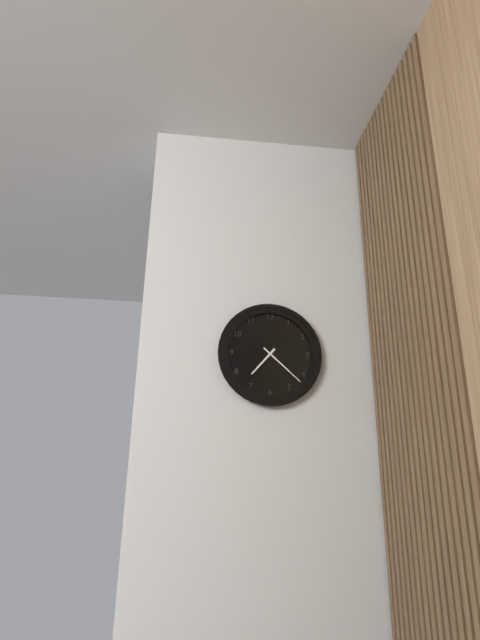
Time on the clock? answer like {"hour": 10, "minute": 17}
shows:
{"hour": 7, "minute": 22}
